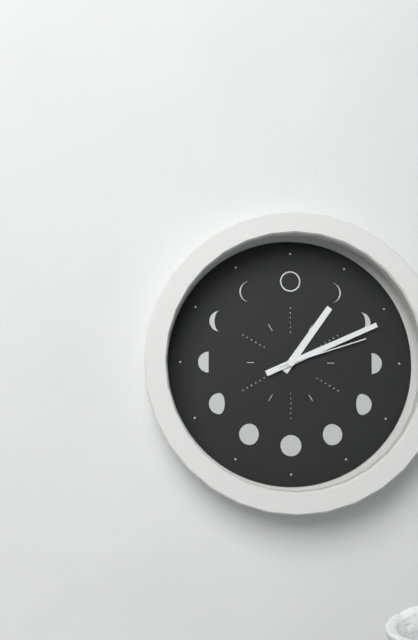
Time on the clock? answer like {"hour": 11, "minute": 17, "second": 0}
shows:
{"hour": 1, "minute": 11, "second": 12}
